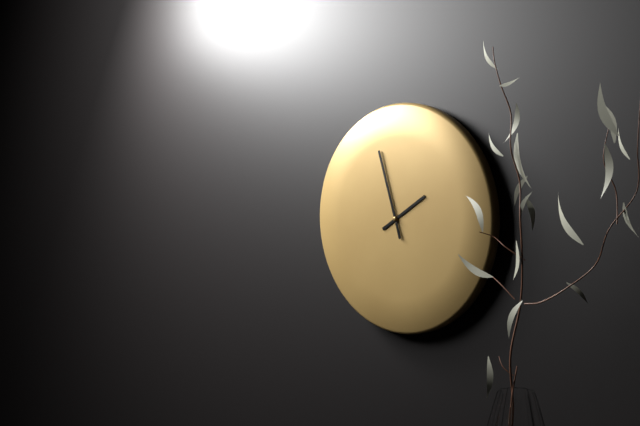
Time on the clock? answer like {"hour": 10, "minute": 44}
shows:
{"hour": 1, "minute": 57}
